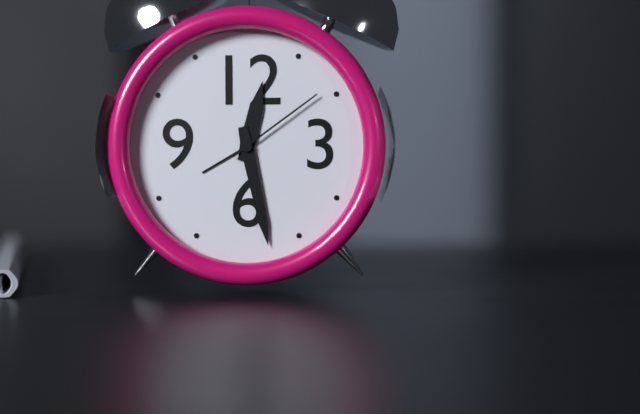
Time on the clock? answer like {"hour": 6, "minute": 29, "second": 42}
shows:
{"hour": 12, "minute": 28, "second": 9}
